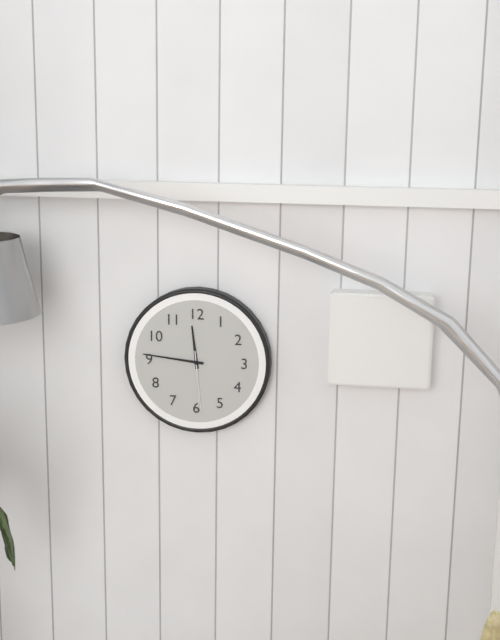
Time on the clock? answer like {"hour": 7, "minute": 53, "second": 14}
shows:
{"hour": 11, "minute": 46, "second": 29}
